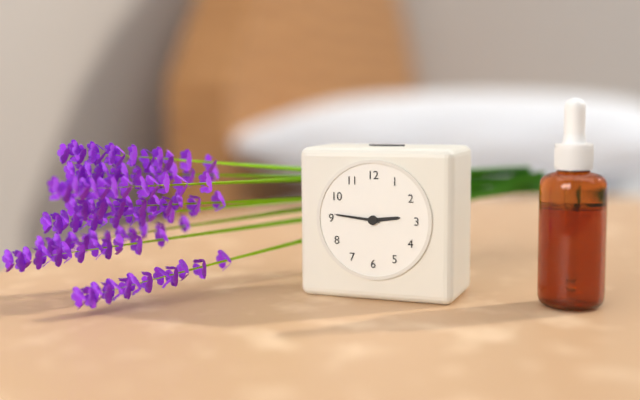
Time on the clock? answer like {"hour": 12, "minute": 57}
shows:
{"hour": 2, "minute": 46}
